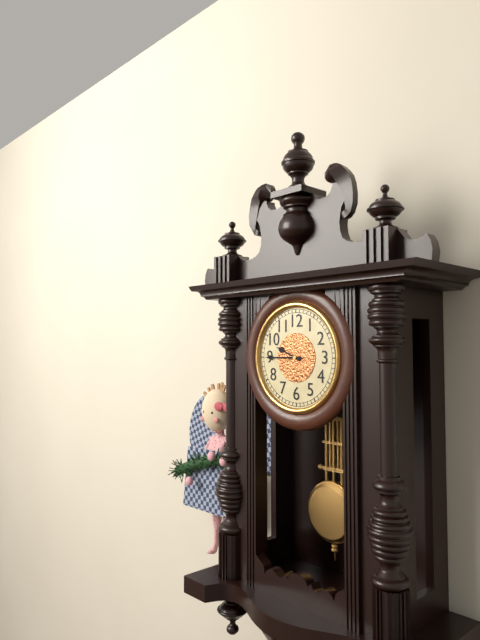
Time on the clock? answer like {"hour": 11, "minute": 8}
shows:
{"hour": 9, "minute": 45}
